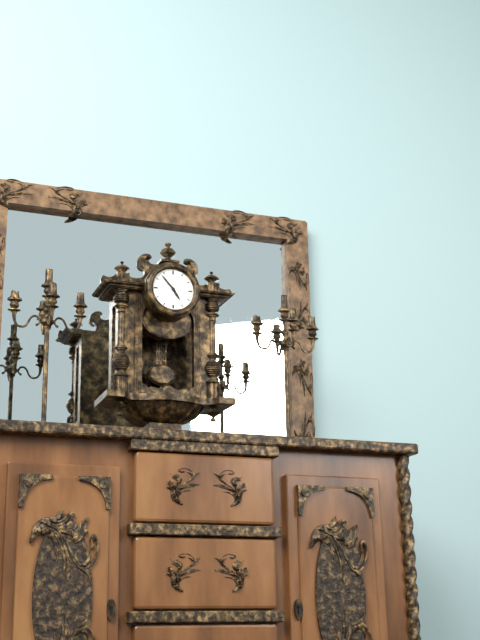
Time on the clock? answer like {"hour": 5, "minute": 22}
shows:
{"hour": 4, "minute": 53}
